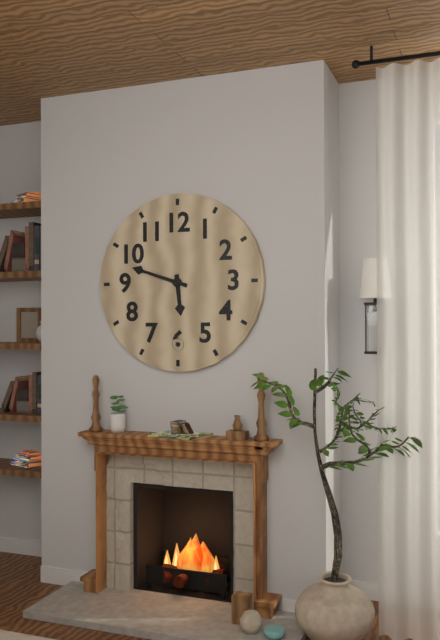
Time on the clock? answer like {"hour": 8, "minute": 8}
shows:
{"hour": 5, "minute": 48}
